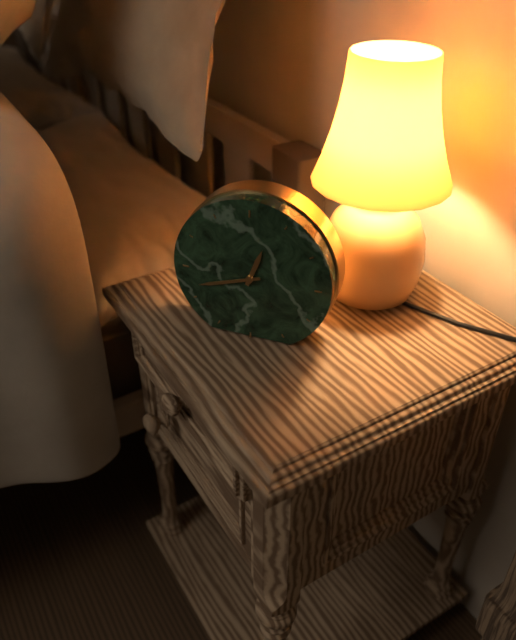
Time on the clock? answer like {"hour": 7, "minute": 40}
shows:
{"hour": 12, "minute": 42}
